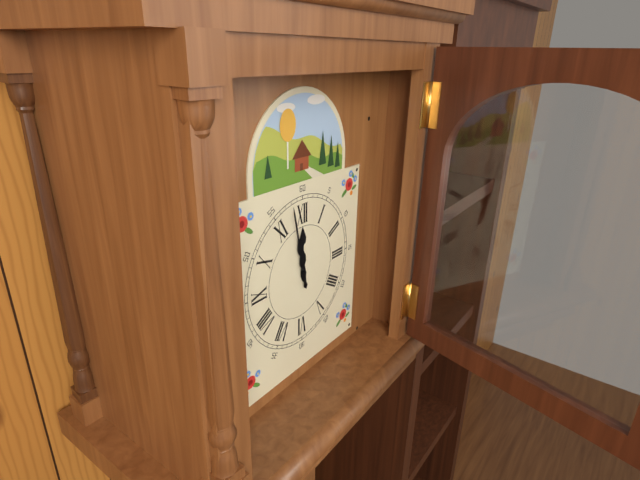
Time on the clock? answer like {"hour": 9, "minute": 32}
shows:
{"hour": 11, "minute": 58}
